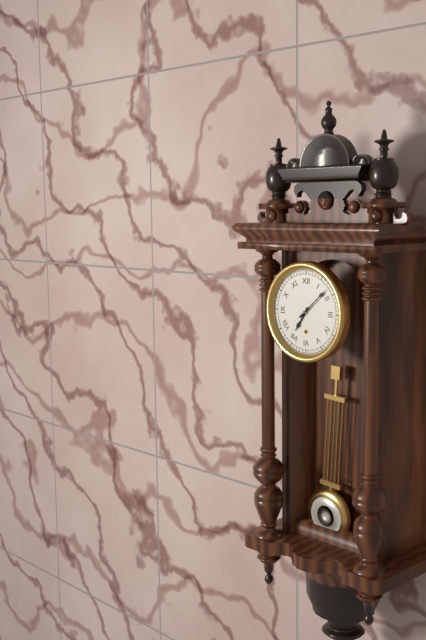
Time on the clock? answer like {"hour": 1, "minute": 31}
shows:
{"hour": 7, "minute": 8}
